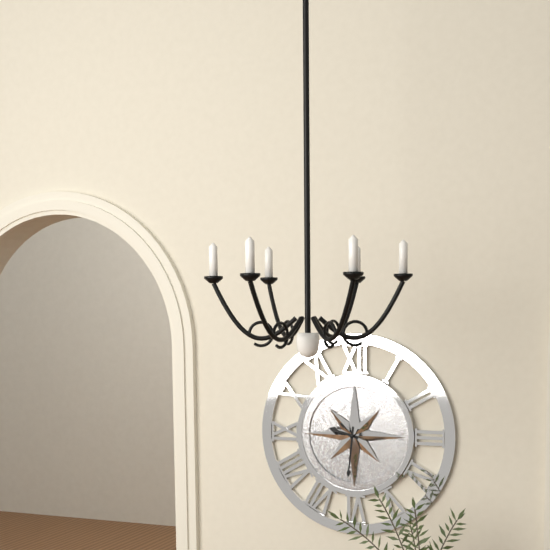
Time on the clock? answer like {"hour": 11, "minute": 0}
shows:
{"hour": 9, "minute": 31}
